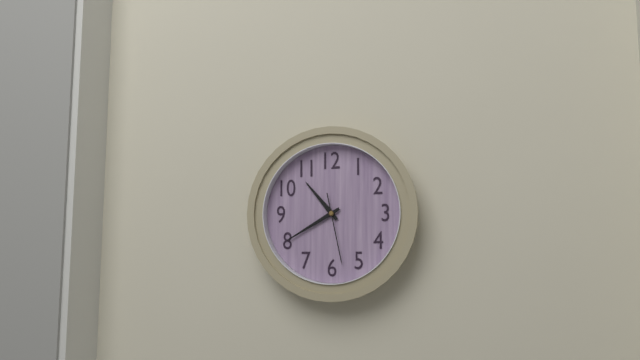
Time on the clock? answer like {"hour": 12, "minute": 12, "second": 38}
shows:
{"hour": 10, "minute": 40, "second": 28}
